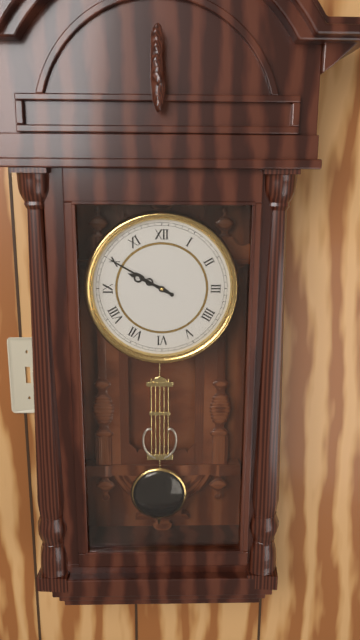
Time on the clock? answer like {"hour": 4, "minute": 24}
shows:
{"hour": 9, "minute": 50}
